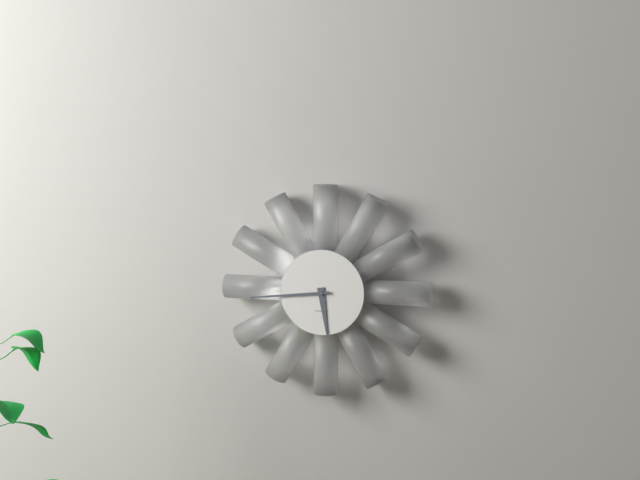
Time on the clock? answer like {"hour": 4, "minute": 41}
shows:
{"hour": 5, "minute": 44}
